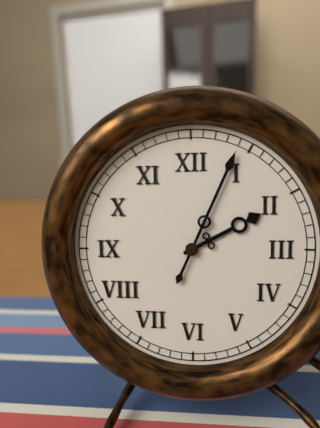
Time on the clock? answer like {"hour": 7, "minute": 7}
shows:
{"hour": 2, "minute": 4}
